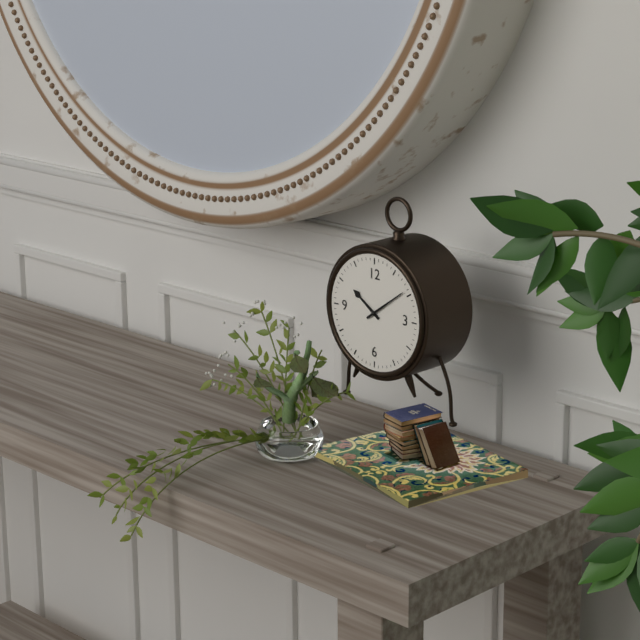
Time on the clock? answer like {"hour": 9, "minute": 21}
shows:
{"hour": 10, "minute": 9}
